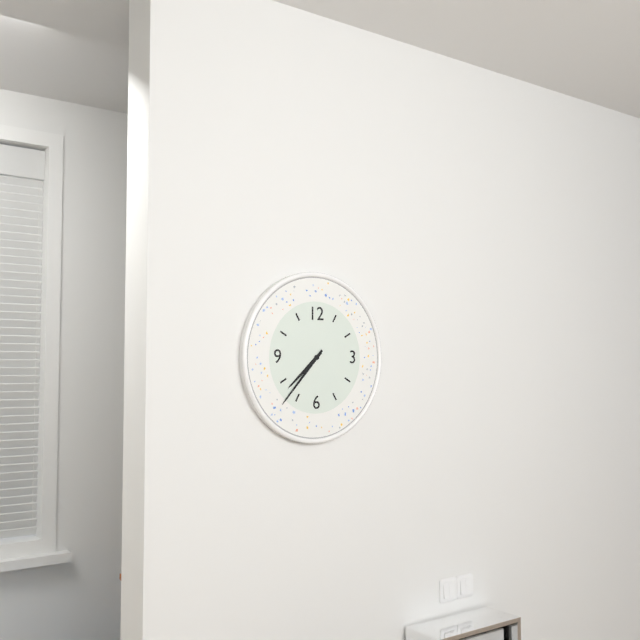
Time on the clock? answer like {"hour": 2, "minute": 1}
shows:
{"hour": 7, "minute": 37}
